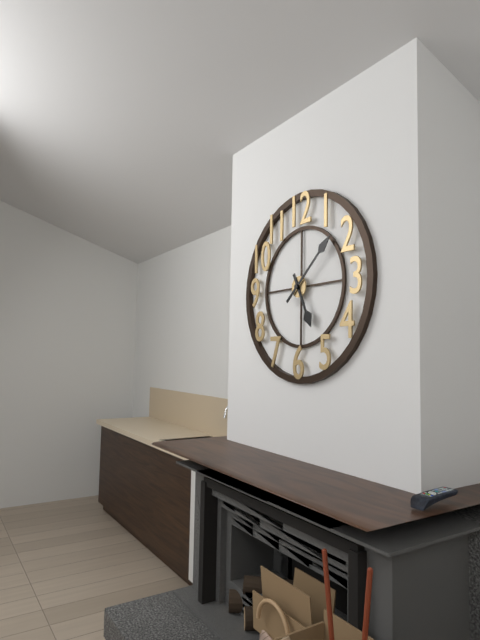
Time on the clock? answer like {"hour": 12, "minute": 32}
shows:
{"hour": 5, "minute": 8}
